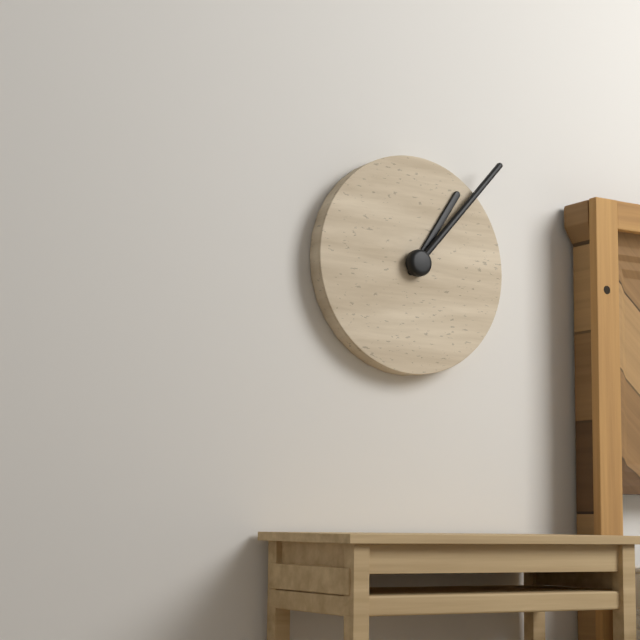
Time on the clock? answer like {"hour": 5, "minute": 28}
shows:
{"hour": 1, "minute": 7}
